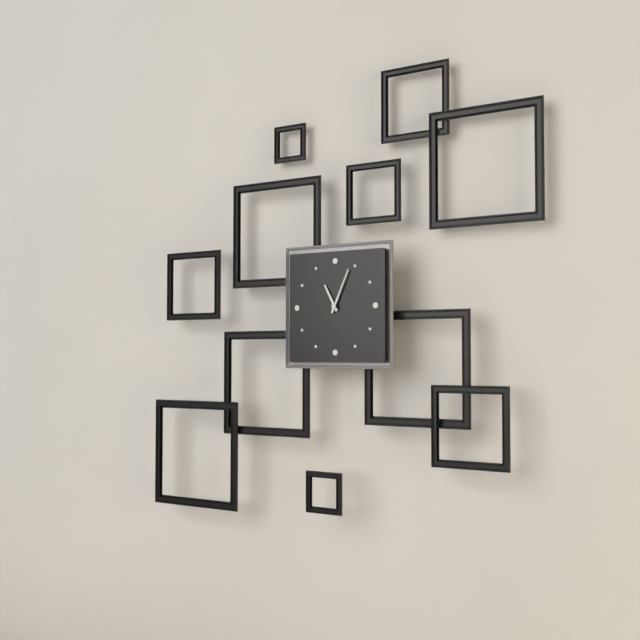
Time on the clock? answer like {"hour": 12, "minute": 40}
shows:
{"hour": 11, "minute": 4}
